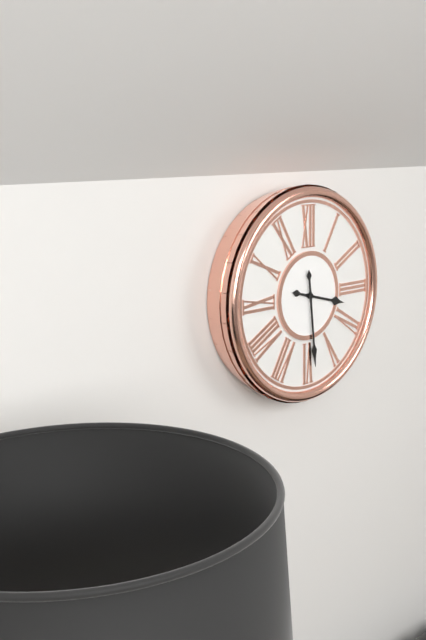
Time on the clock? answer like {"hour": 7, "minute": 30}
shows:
{"hour": 3, "minute": 29}
